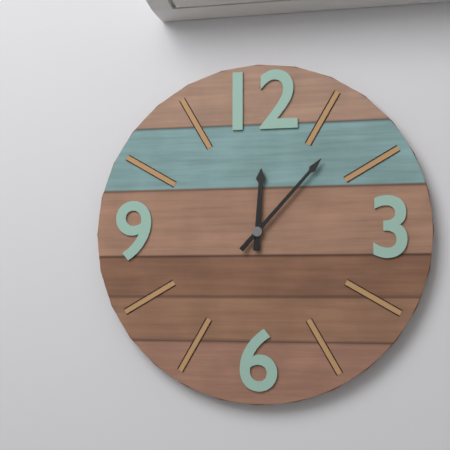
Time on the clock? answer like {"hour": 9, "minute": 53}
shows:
{"hour": 12, "minute": 7}
